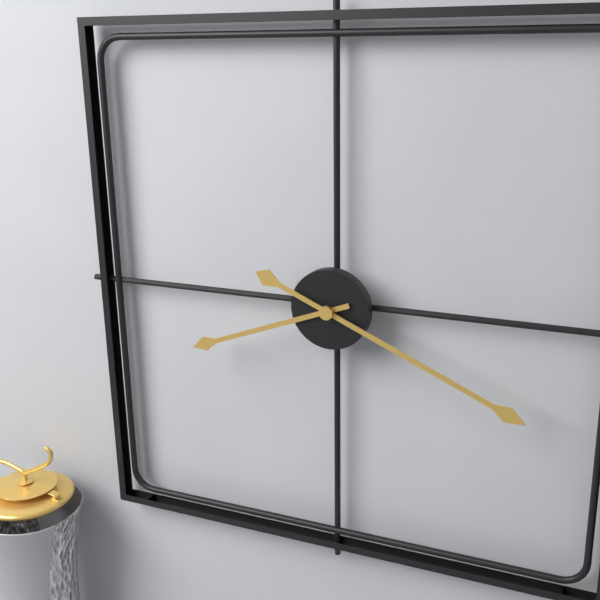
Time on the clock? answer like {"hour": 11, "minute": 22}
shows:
{"hour": 8, "minute": 19}
